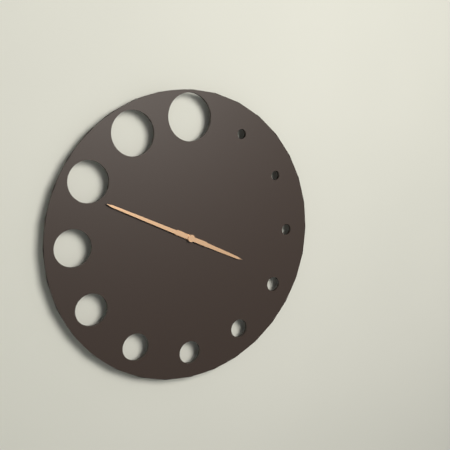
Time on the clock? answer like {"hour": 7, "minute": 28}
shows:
{"hour": 3, "minute": 49}
